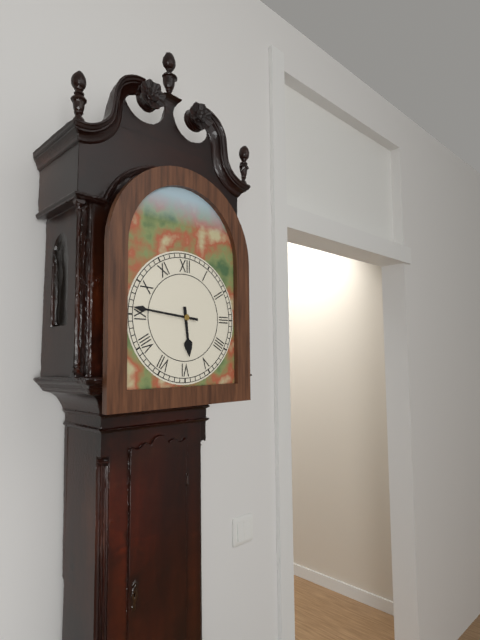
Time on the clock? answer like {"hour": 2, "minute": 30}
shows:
{"hour": 5, "minute": 46}
